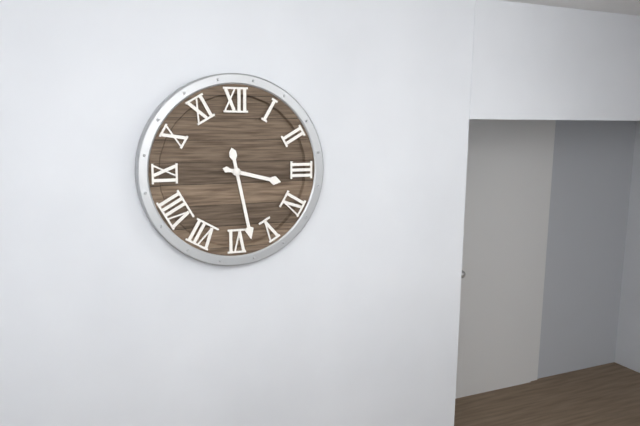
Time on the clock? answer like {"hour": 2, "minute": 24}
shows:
{"hour": 3, "minute": 28}
